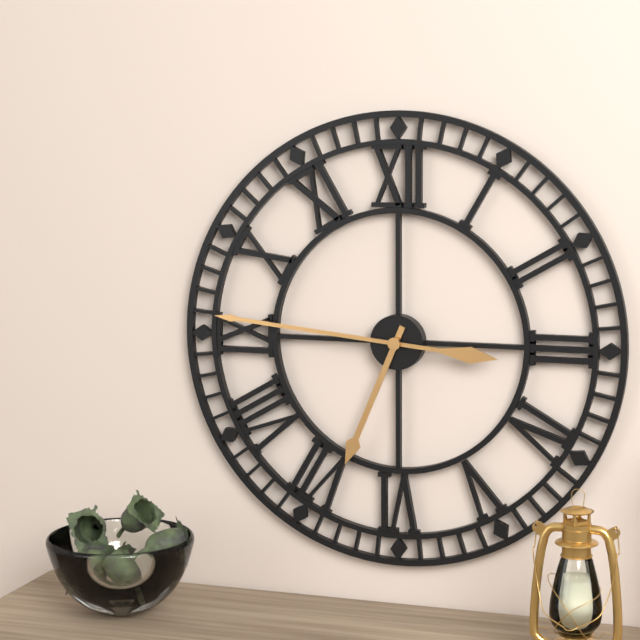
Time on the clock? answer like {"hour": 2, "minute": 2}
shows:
{"hour": 6, "minute": 46}
